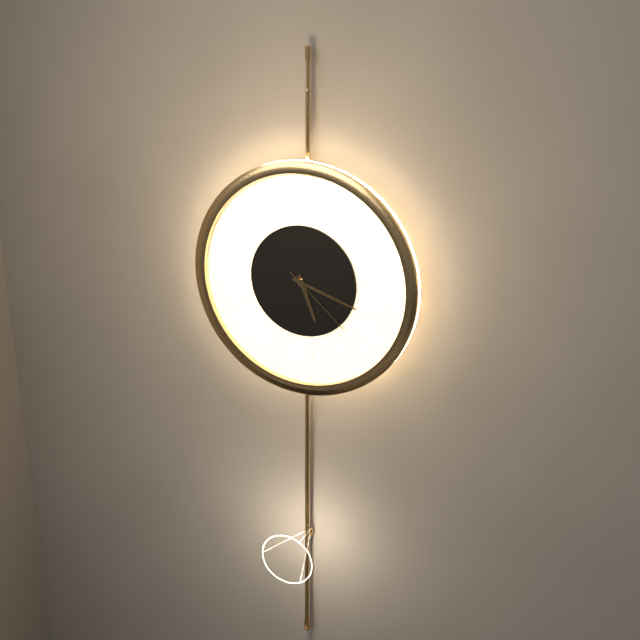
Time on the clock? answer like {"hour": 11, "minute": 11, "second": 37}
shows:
{"hour": 5, "minute": 18, "second": 22}
